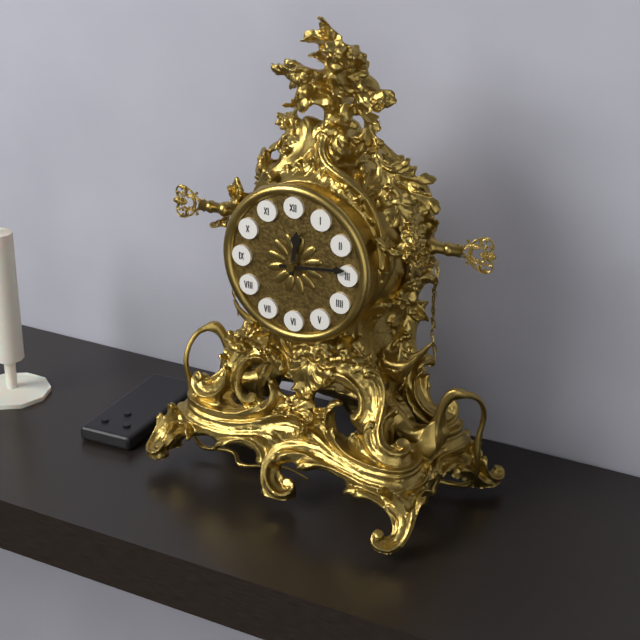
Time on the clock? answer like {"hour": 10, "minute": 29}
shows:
{"hour": 12, "minute": 14}
